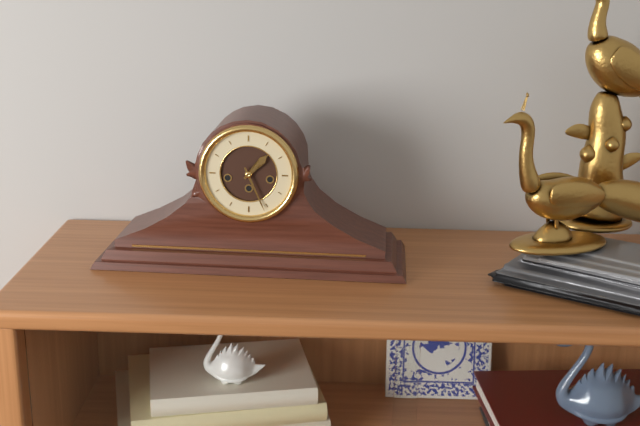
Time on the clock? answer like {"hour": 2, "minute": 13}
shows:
{"hour": 1, "minute": 26}
